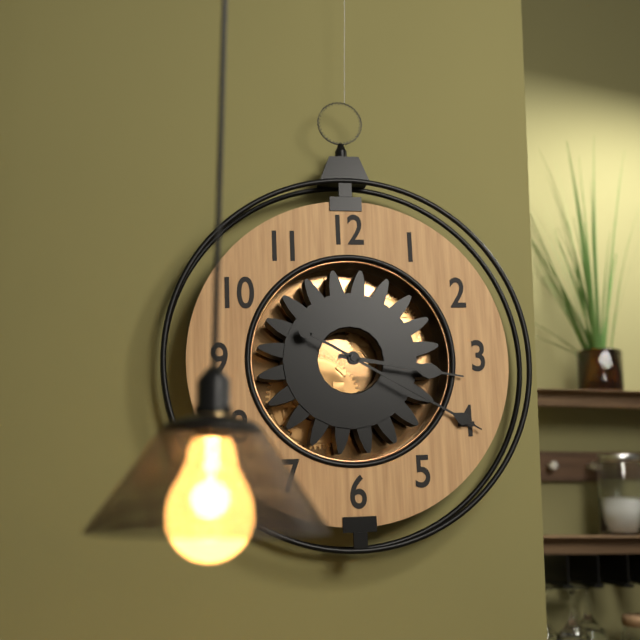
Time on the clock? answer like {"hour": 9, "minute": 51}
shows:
{"hour": 3, "minute": 20}
